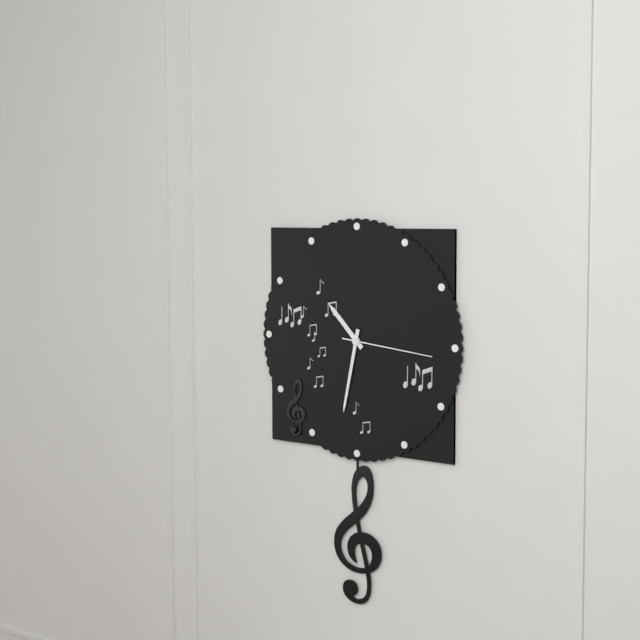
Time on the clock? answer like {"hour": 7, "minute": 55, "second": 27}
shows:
{"hour": 10, "minute": 32, "second": 16}
